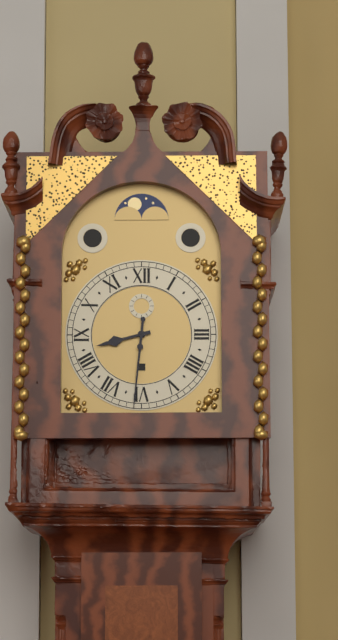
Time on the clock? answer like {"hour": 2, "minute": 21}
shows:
{"hour": 8, "minute": 31}
